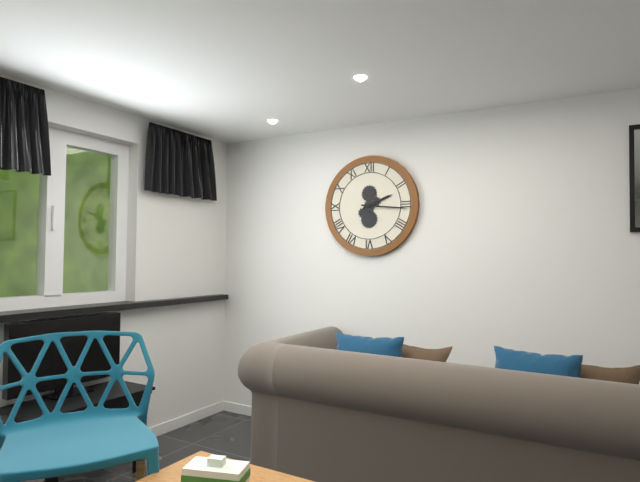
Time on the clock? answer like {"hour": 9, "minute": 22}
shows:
{"hour": 2, "minute": 16}
